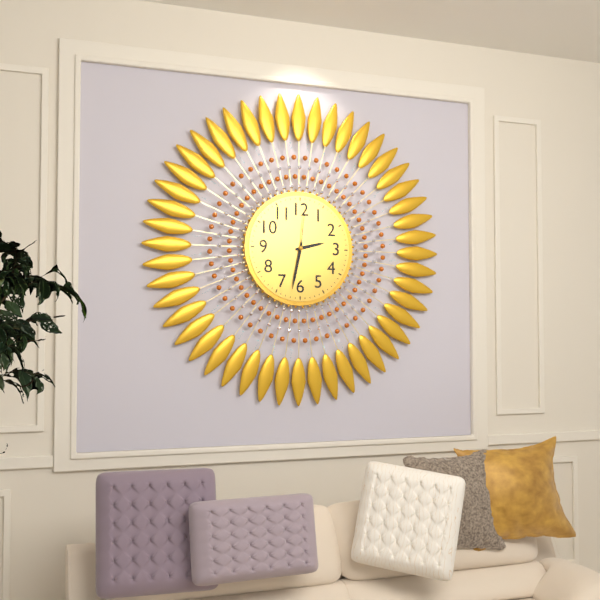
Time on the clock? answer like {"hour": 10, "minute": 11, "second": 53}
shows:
{"hour": 2, "minute": 32, "second": 1}
